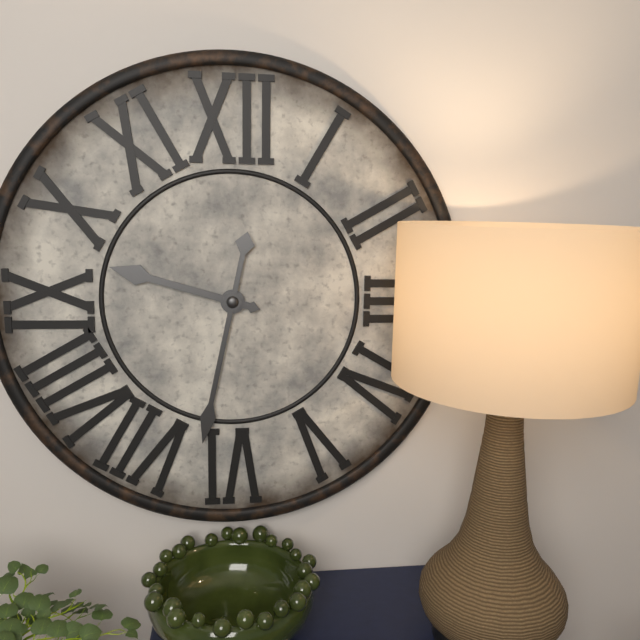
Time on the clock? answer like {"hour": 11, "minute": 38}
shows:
{"hour": 9, "minute": 32}
